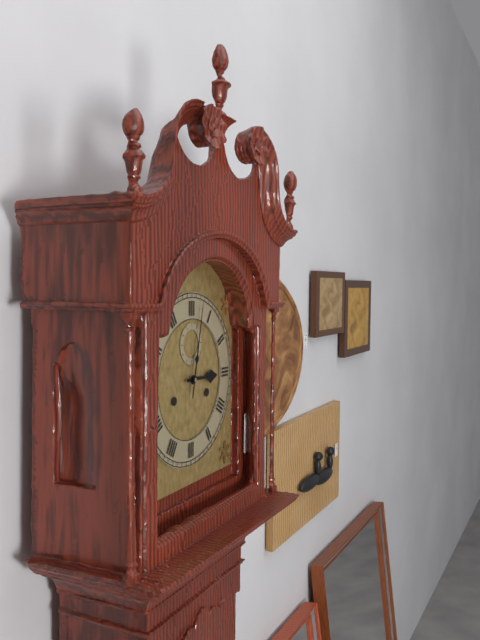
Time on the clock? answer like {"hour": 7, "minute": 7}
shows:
{"hour": 3, "minute": 2}
